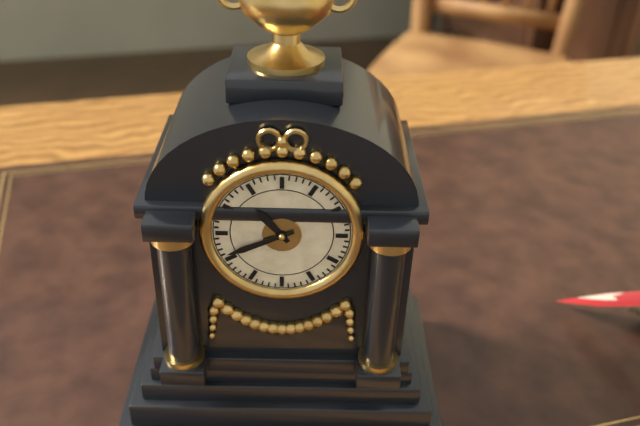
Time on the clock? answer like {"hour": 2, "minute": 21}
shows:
{"hour": 10, "minute": 41}
